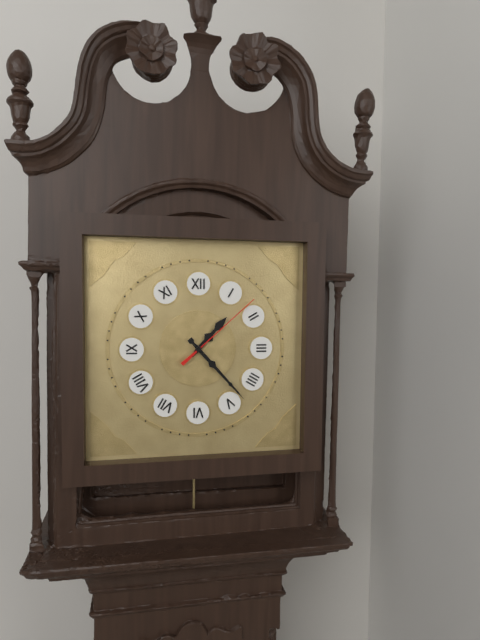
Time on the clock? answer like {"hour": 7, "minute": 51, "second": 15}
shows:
{"hour": 1, "minute": 23, "second": 8}
